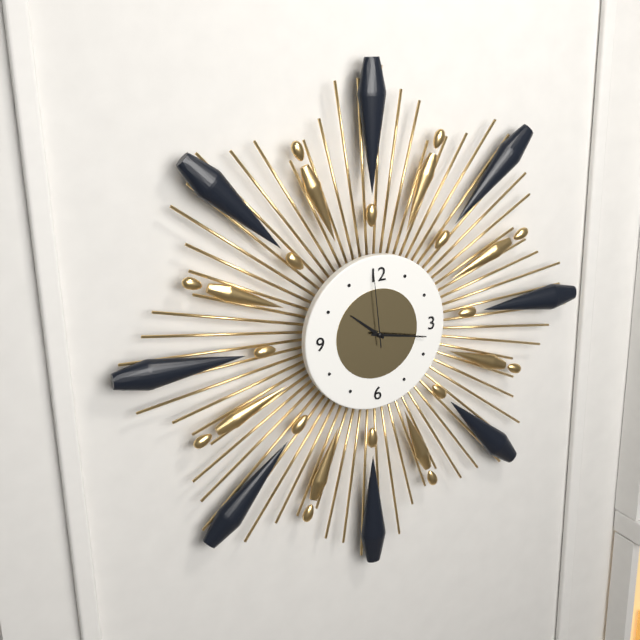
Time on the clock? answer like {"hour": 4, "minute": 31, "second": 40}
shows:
{"hour": 10, "minute": 17, "second": 59}
